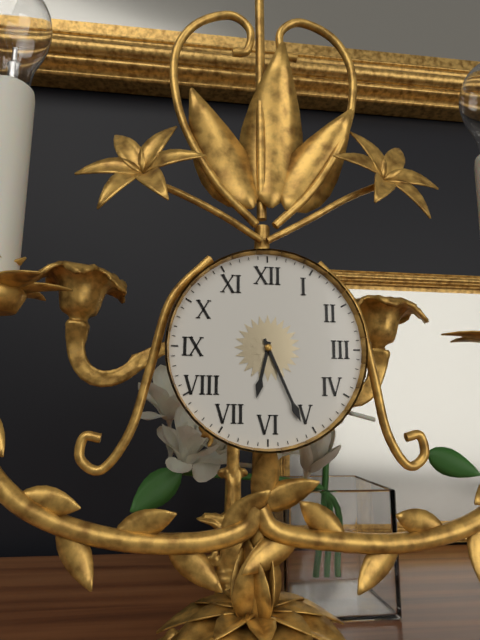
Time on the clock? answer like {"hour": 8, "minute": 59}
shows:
{"hour": 6, "minute": 26}
